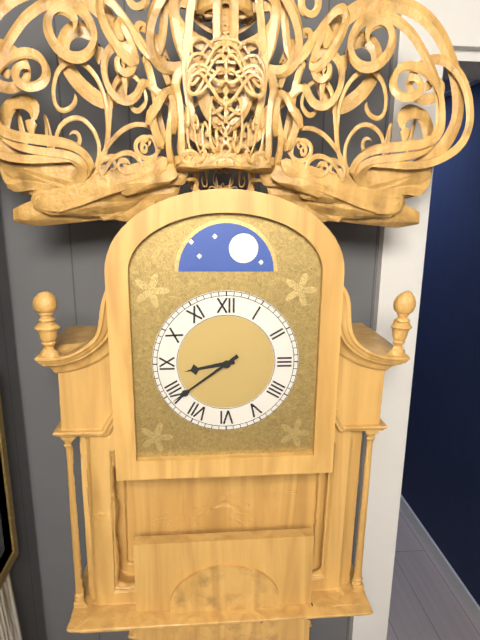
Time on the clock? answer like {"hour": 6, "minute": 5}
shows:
{"hour": 8, "minute": 39}
